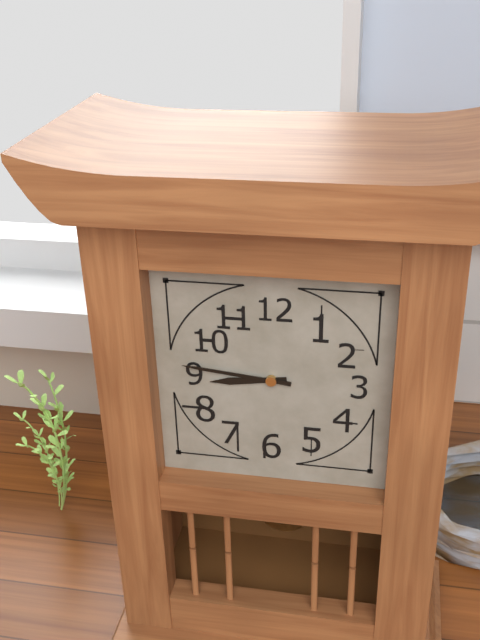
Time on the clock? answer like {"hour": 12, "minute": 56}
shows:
{"hour": 8, "minute": 46}
